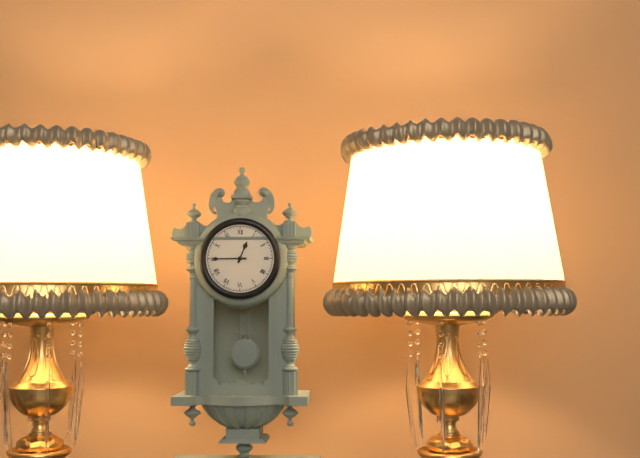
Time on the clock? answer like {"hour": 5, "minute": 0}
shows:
{"hour": 12, "minute": 45}
